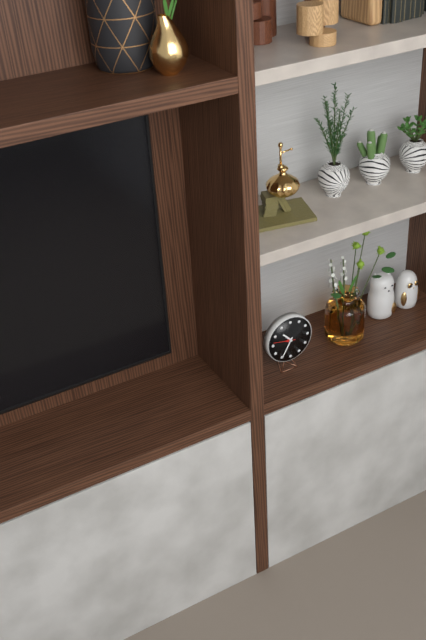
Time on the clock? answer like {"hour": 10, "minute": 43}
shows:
{"hour": 10, "minute": 35}
